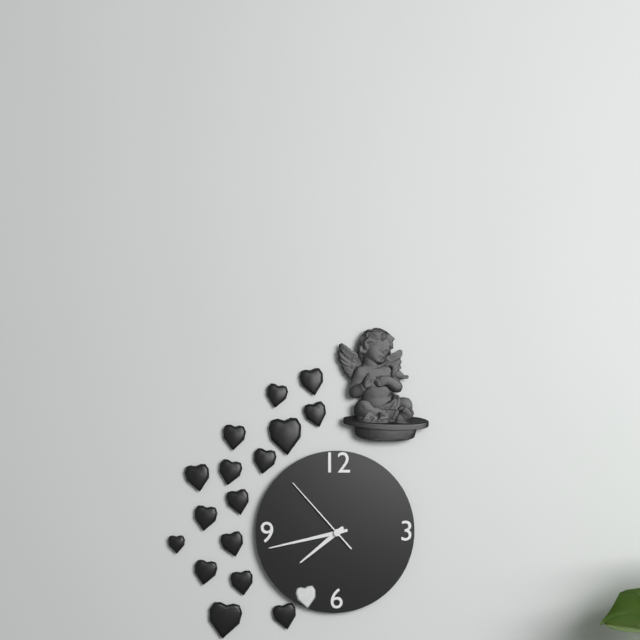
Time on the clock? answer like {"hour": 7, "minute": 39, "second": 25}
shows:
{"hour": 7, "minute": 43, "second": 53}
